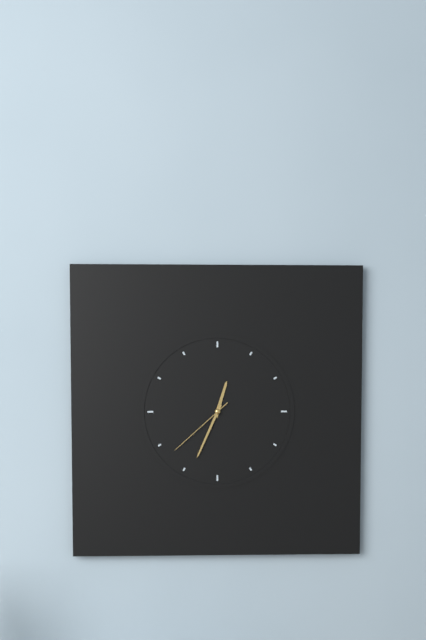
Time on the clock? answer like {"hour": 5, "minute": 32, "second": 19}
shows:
{"hour": 12, "minute": 34, "second": 38}
